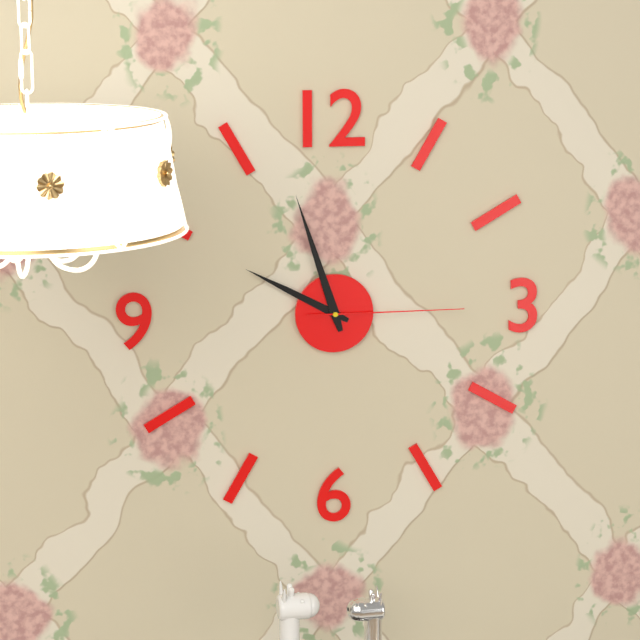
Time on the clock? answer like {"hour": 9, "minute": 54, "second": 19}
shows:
{"hour": 9, "minute": 57, "second": 15}
